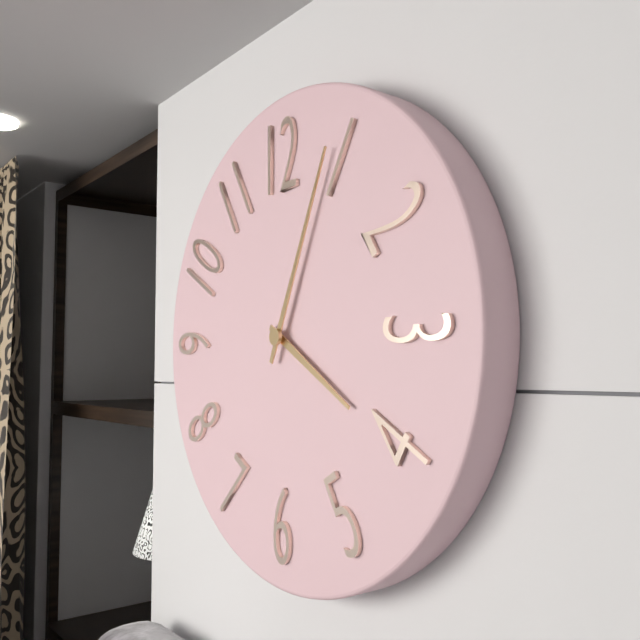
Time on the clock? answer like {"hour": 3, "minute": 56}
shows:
{"hour": 4, "minute": 4}
